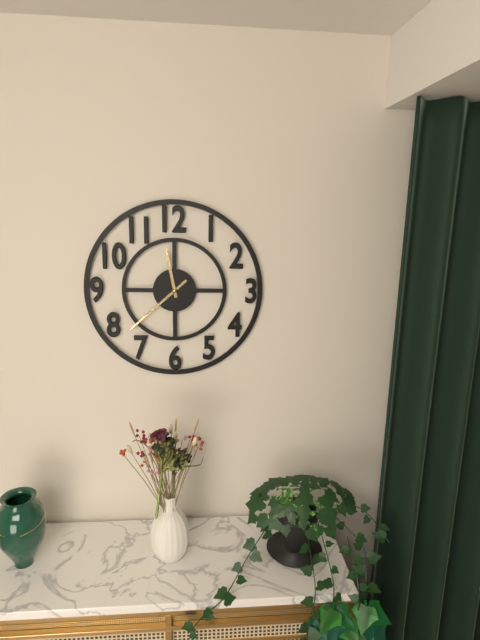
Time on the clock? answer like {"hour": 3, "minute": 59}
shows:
{"hour": 11, "minute": 38}
